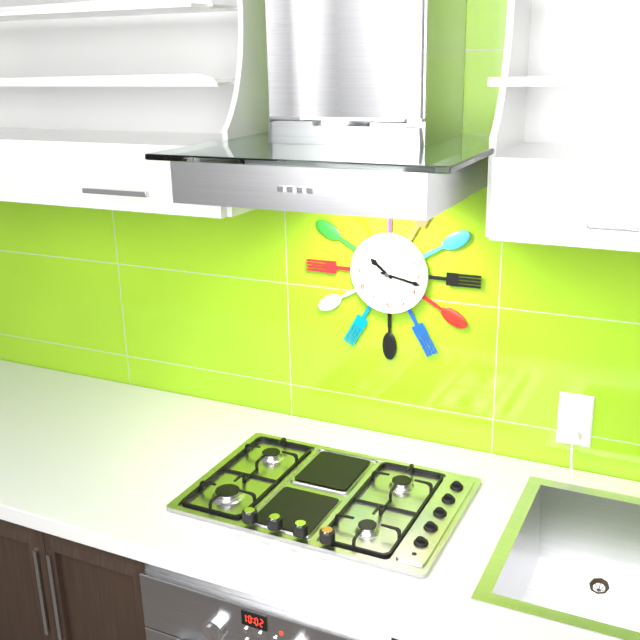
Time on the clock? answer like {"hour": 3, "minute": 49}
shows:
{"hour": 10, "minute": 17}
